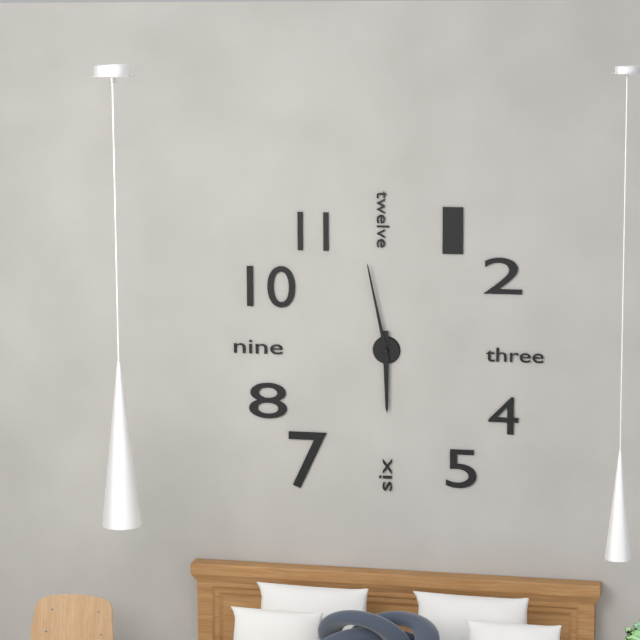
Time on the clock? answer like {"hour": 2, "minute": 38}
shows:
{"hour": 5, "minute": 58}
